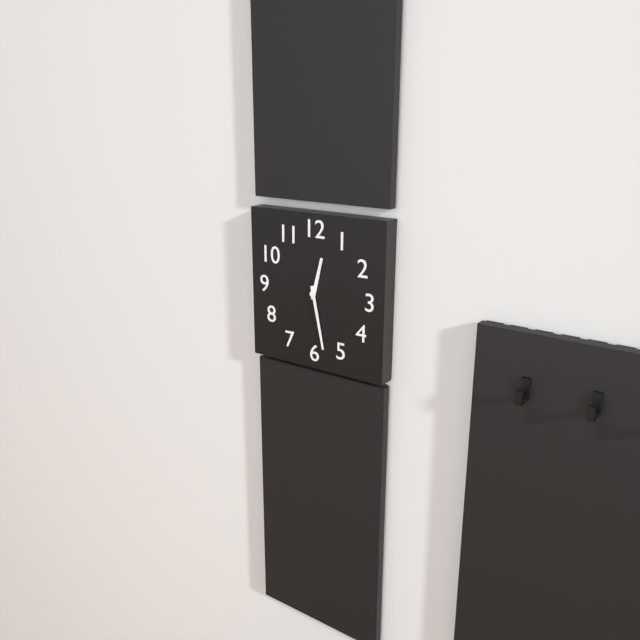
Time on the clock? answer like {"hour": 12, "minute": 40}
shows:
{"hour": 12, "minute": 28}
